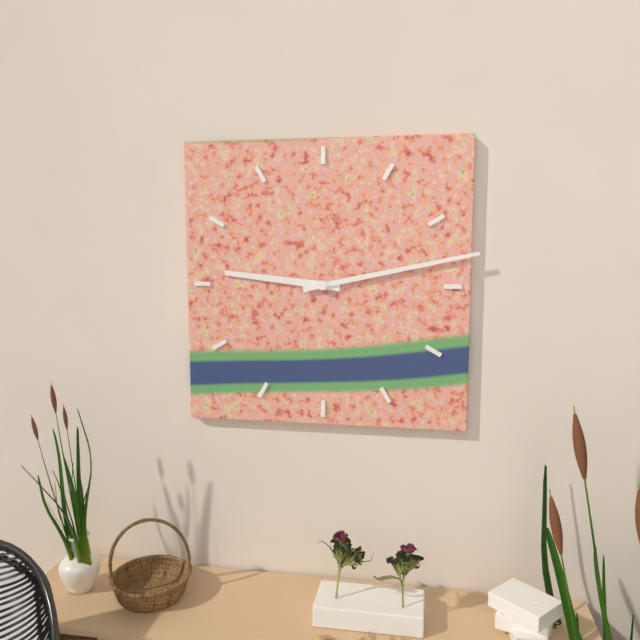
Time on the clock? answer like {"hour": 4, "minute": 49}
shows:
{"hour": 9, "minute": 13}
